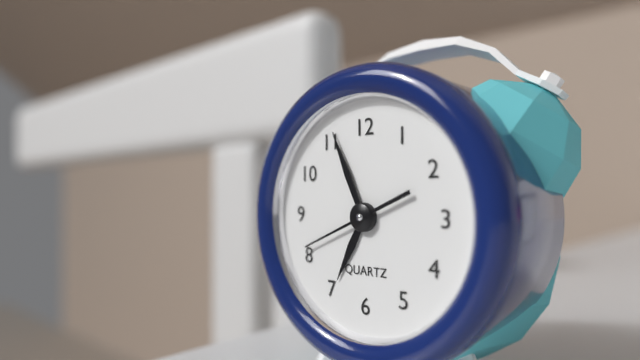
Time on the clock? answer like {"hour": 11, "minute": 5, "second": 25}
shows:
{"hour": 6, "minute": 56, "second": 41}
